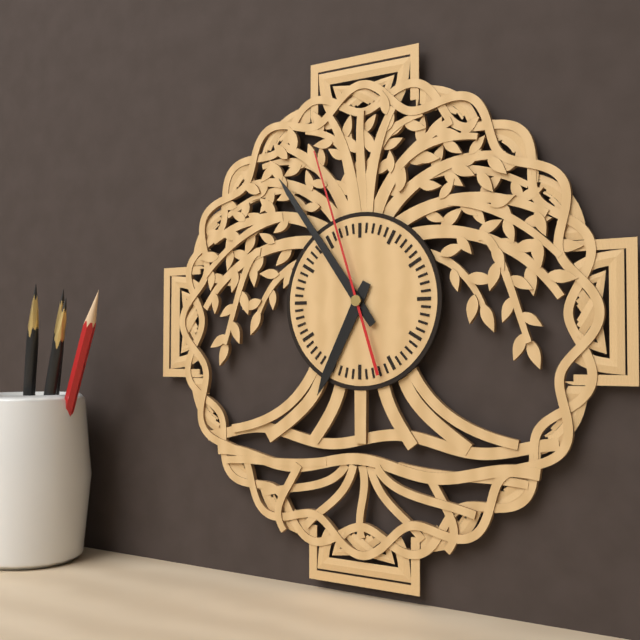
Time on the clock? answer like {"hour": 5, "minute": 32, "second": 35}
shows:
{"hour": 6, "minute": 54, "second": 57}
